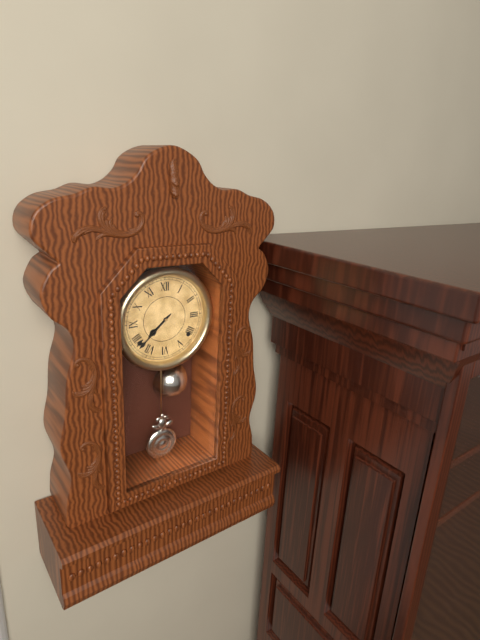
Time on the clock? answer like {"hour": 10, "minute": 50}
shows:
{"hour": 7, "minute": 38}
